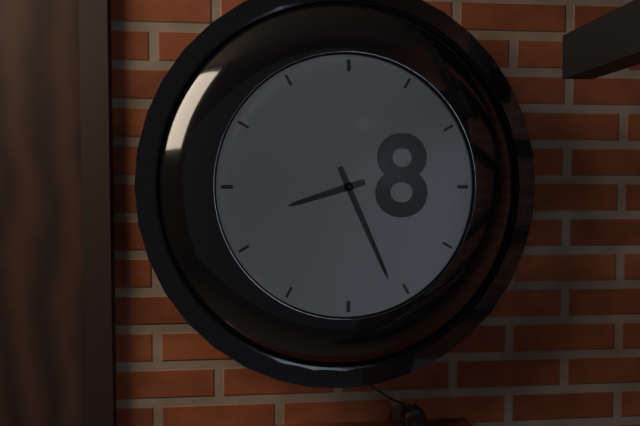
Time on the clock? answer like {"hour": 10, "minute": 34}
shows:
{"hour": 8, "minute": 26}
